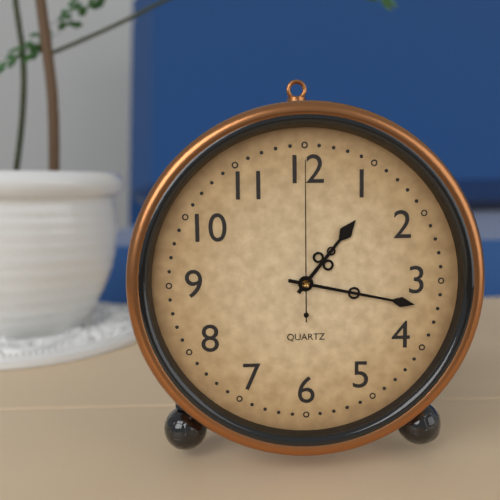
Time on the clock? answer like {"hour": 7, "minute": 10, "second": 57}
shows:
{"hour": 1, "minute": 17, "second": 0}
